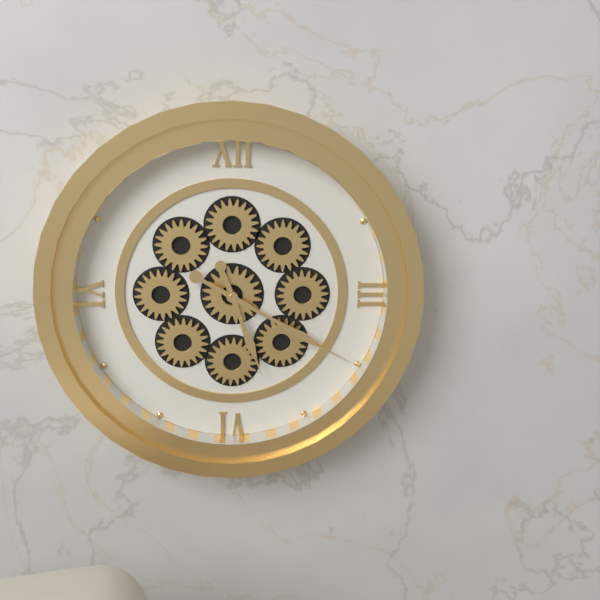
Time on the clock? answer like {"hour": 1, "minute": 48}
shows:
{"hour": 5, "minute": 20}
